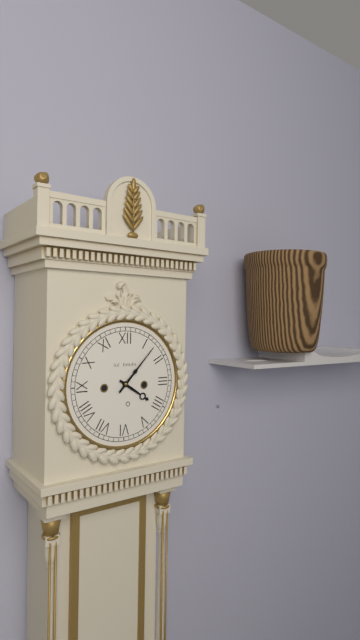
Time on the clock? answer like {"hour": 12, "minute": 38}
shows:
{"hour": 4, "minute": 7}
